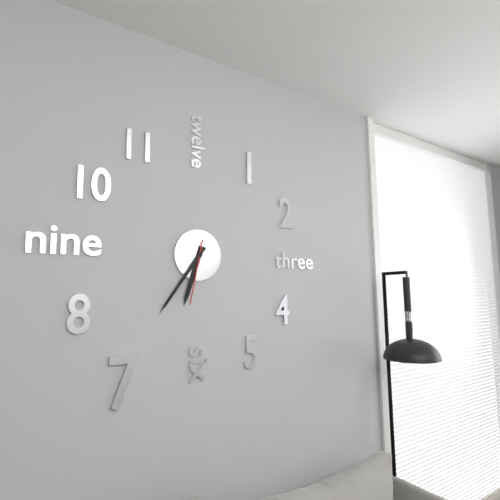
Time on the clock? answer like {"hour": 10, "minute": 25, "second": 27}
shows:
{"hour": 6, "minute": 36, "second": 32}
